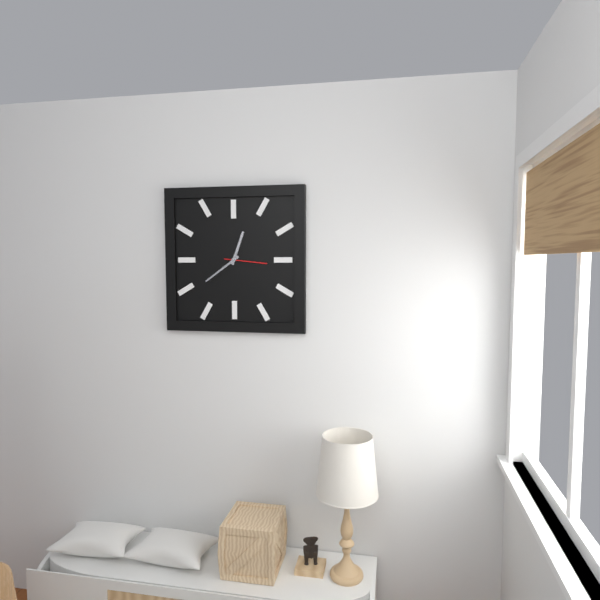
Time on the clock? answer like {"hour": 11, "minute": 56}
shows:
{"hour": 12, "minute": 39}
